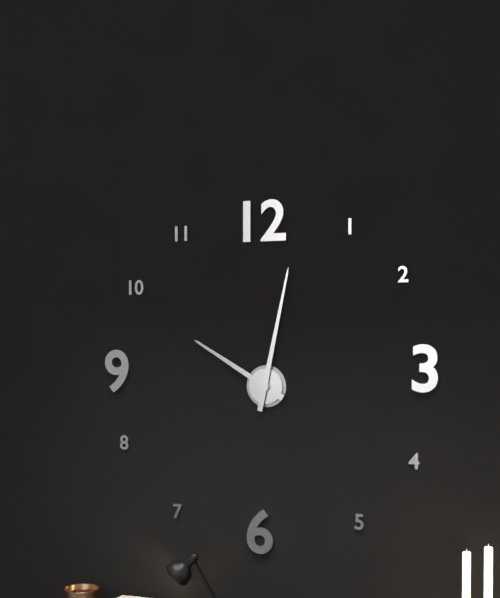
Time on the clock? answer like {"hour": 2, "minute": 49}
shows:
{"hour": 10, "minute": 2}
